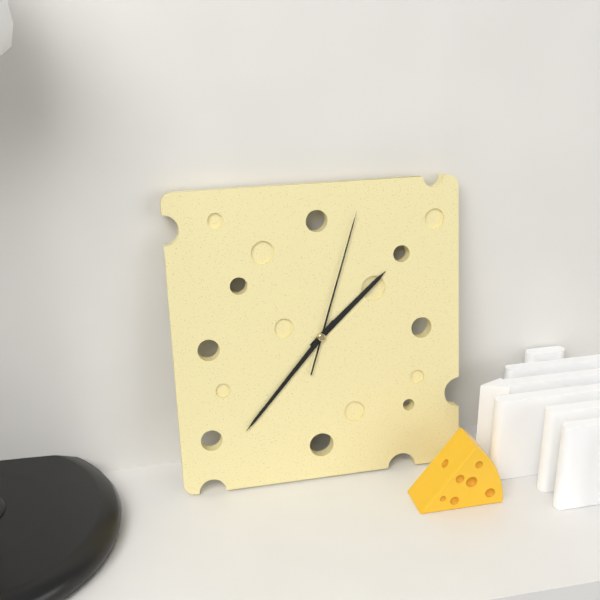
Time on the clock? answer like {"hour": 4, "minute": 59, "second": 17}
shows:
{"hour": 1, "minute": 37, "second": 3}
